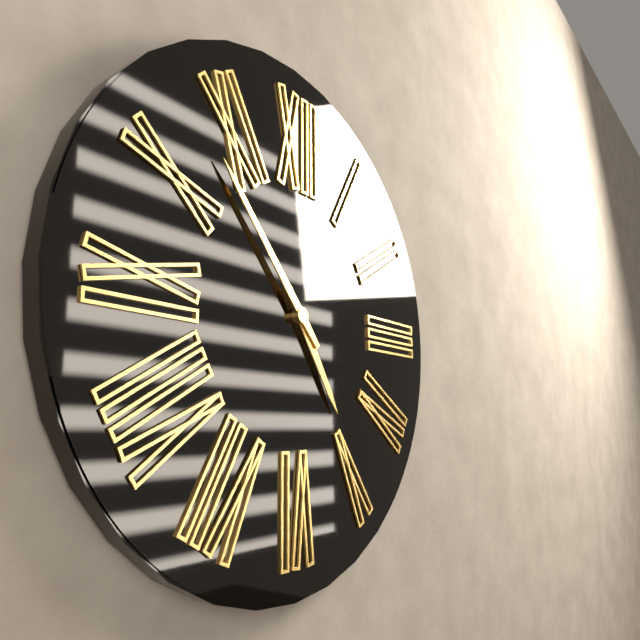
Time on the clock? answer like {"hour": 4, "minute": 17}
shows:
{"hour": 4, "minute": 53}
